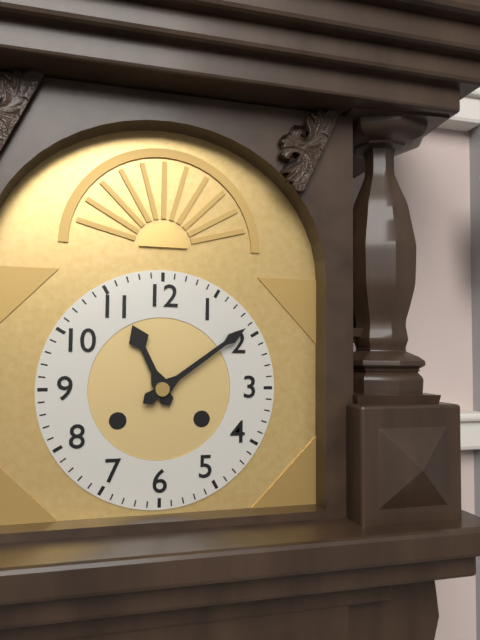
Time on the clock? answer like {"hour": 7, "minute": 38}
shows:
{"hour": 11, "minute": 9}
